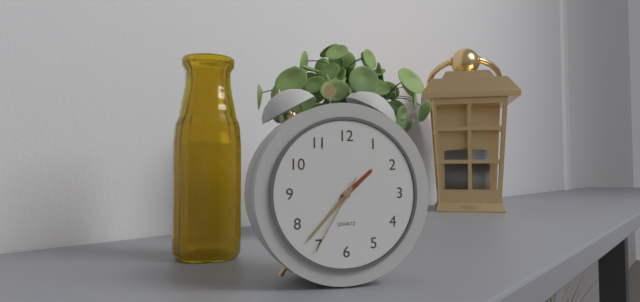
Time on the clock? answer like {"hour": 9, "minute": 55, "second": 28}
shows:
{"hour": 1, "minute": 37, "second": 35}
